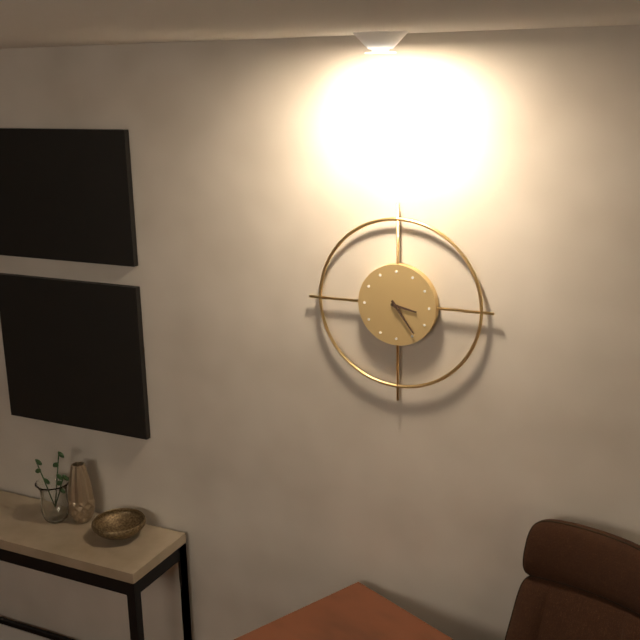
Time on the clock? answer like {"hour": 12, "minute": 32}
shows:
{"hour": 3, "minute": 24}
